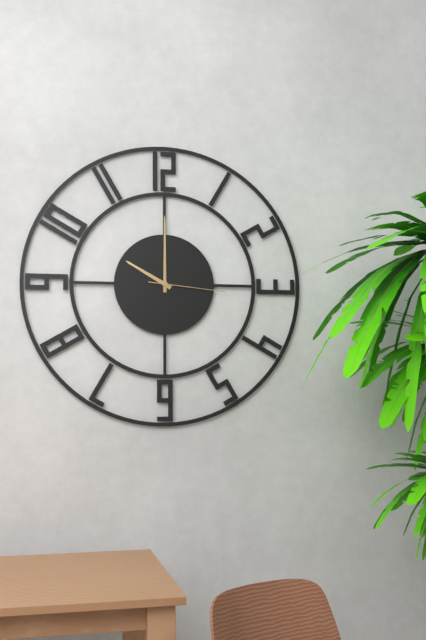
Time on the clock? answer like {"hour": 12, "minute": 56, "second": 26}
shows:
{"hour": 10, "minute": 0, "second": 16}
